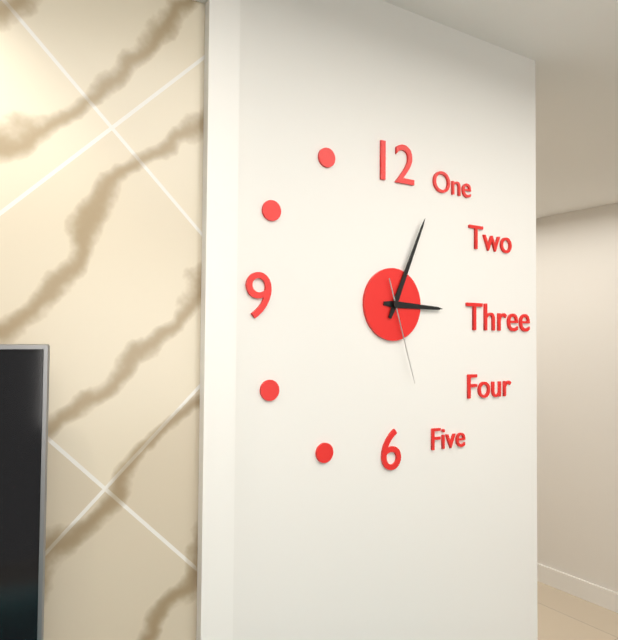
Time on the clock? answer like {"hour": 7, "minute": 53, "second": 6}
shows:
{"hour": 3, "minute": 4, "second": 27}
